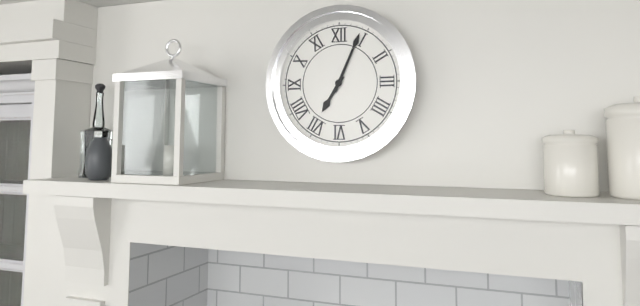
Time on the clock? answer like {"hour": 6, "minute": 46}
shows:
{"hour": 7, "minute": 4}
